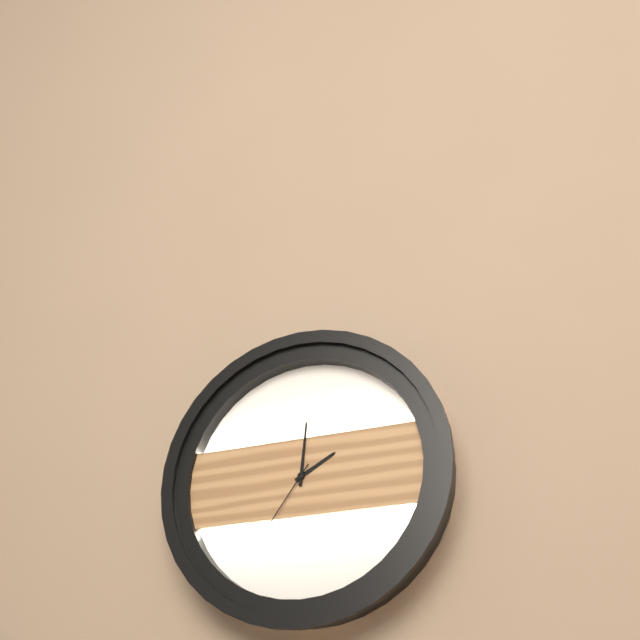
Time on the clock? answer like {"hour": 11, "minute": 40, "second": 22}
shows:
{"hour": 2, "minute": 1, "second": 36}
